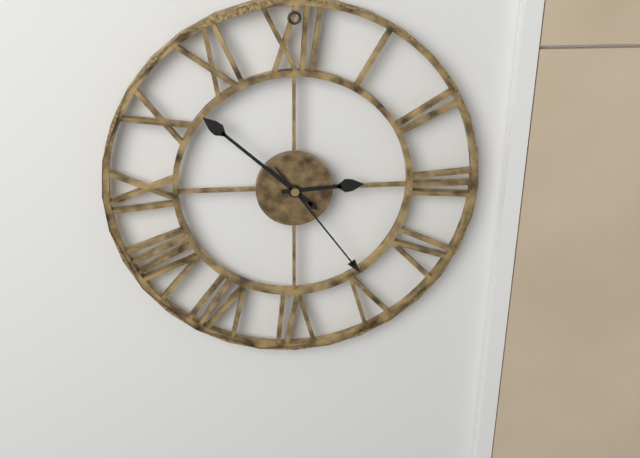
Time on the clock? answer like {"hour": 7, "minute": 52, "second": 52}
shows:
{"hour": 2, "minute": 52, "second": 24}
